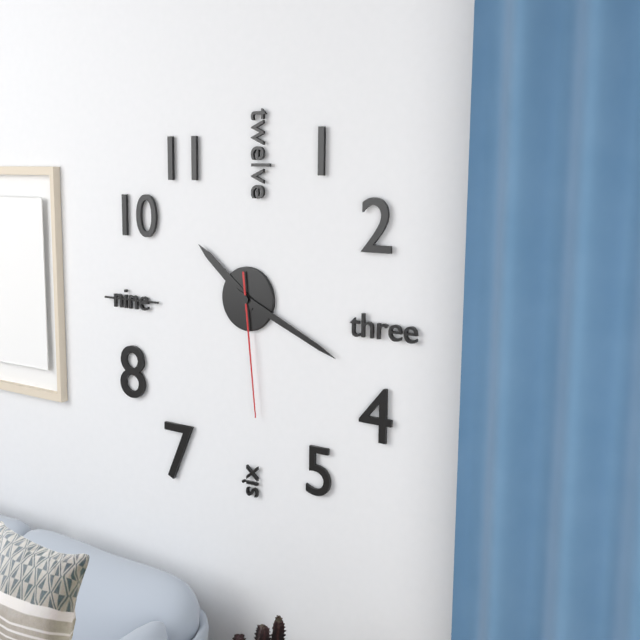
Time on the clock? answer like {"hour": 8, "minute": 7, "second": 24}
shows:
{"hour": 10, "minute": 19, "second": 29}
